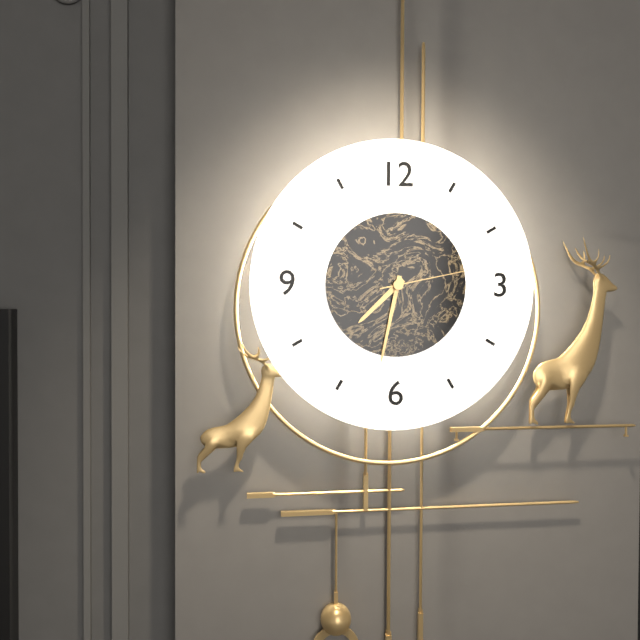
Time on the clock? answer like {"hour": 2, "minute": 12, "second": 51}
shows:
{"hour": 7, "minute": 32, "second": 13}
